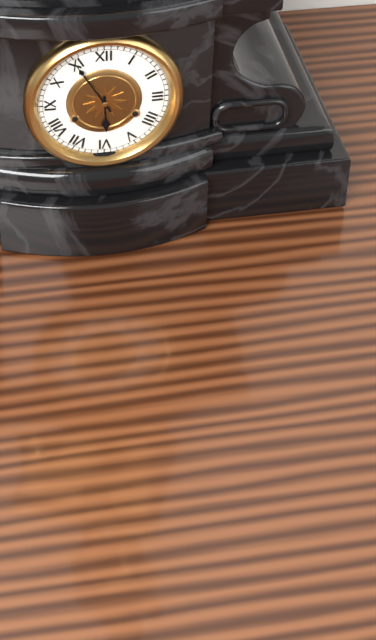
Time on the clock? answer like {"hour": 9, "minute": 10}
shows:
{"hour": 5, "minute": 55}
